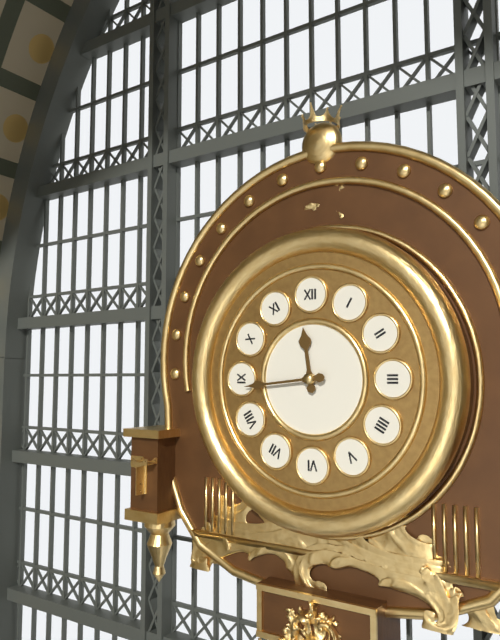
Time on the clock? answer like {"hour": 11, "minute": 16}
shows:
{"hour": 11, "minute": 44}
